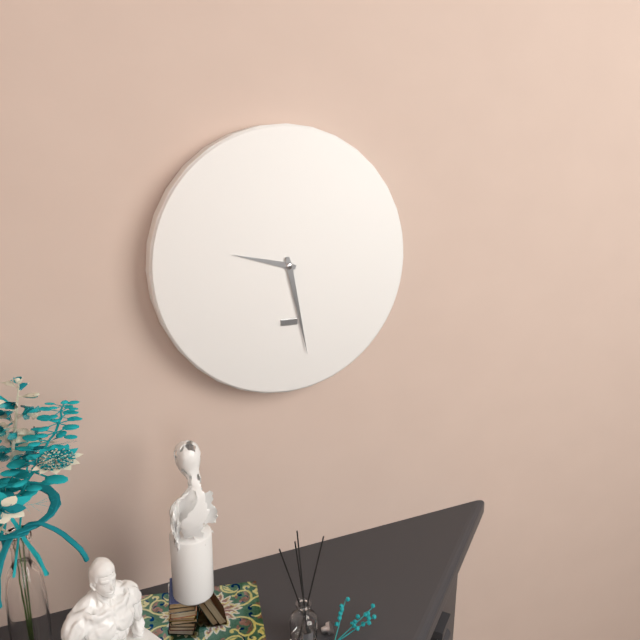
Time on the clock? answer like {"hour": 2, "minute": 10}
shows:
{"hour": 9, "minute": 28}
